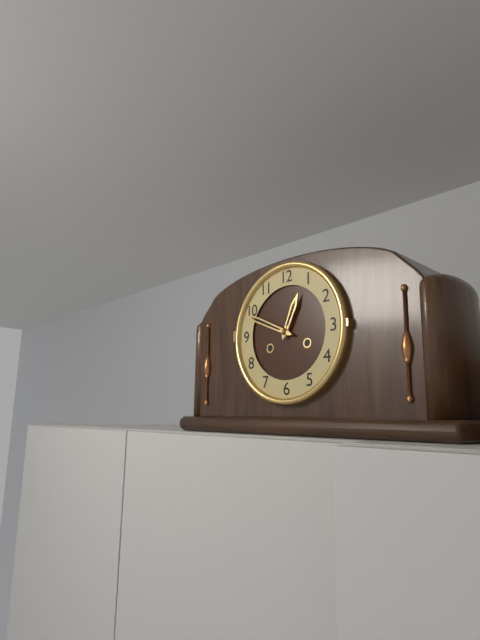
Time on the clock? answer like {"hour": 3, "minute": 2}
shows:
{"hour": 12, "minute": 49}
